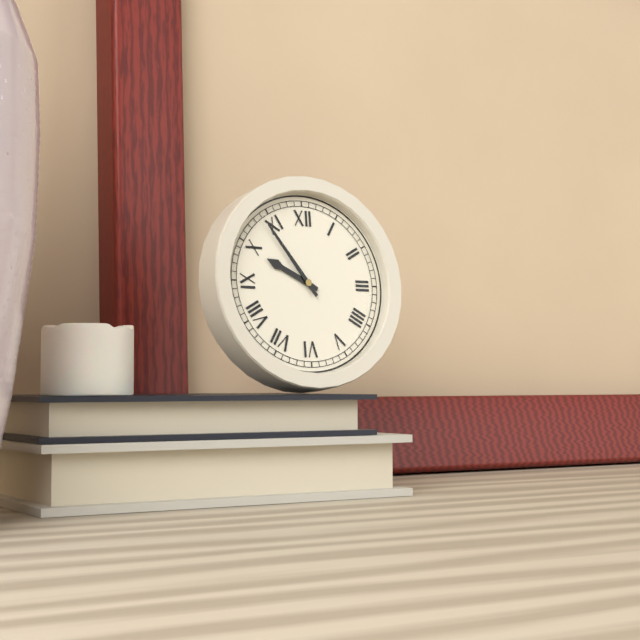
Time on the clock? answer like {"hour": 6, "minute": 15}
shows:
{"hour": 9, "minute": 54}
